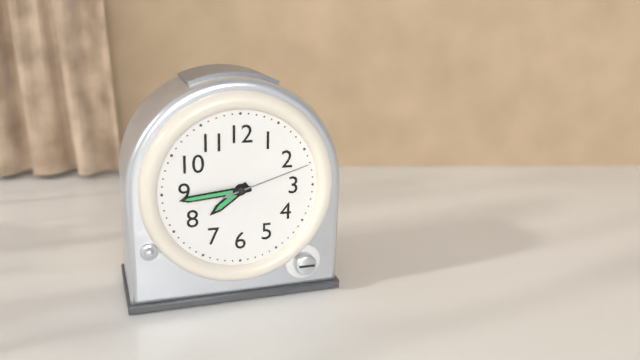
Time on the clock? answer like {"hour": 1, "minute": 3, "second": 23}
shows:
{"hour": 7, "minute": 44, "second": 12}
